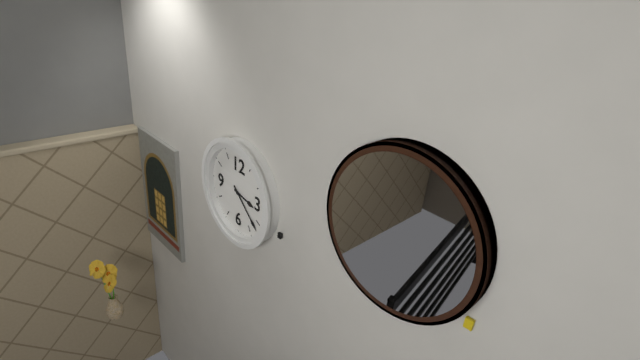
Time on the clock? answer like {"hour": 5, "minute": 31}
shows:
{"hour": 3, "minute": 22}
